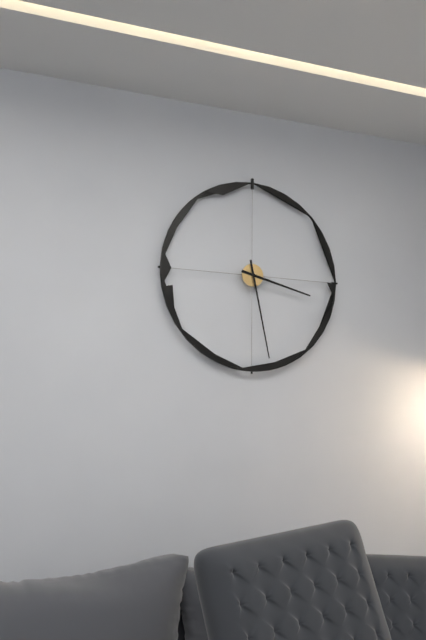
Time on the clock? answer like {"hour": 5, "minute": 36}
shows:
{"hour": 3, "minute": 28}
